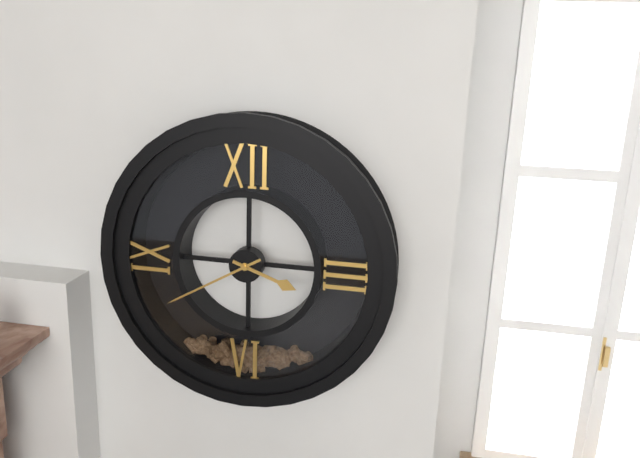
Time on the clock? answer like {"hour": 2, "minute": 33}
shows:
{"hour": 3, "minute": 40}
